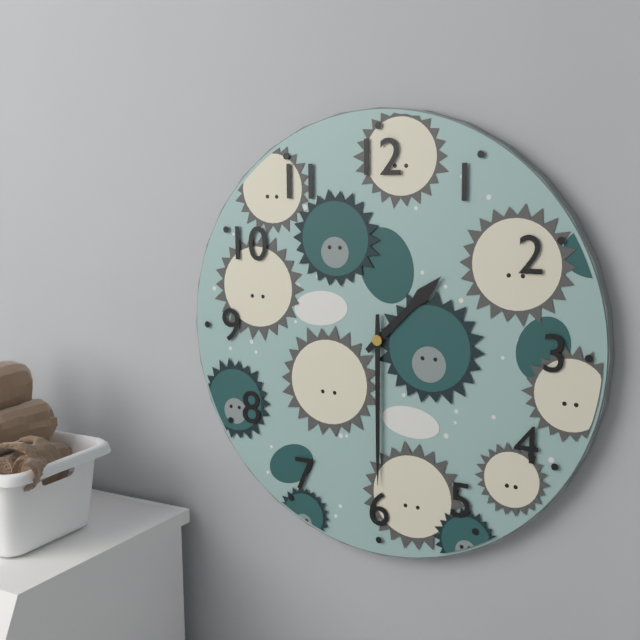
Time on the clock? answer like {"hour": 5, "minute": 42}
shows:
{"hour": 1, "minute": 30}
